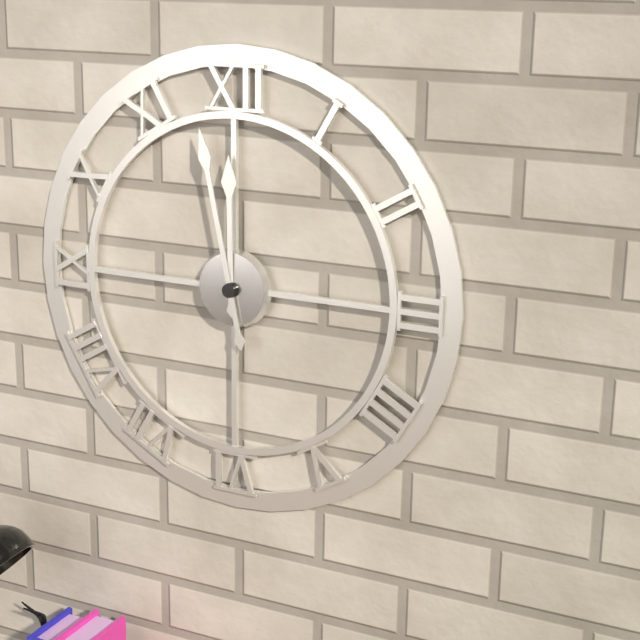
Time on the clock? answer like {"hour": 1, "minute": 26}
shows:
{"hour": 11, "minute": 58}
